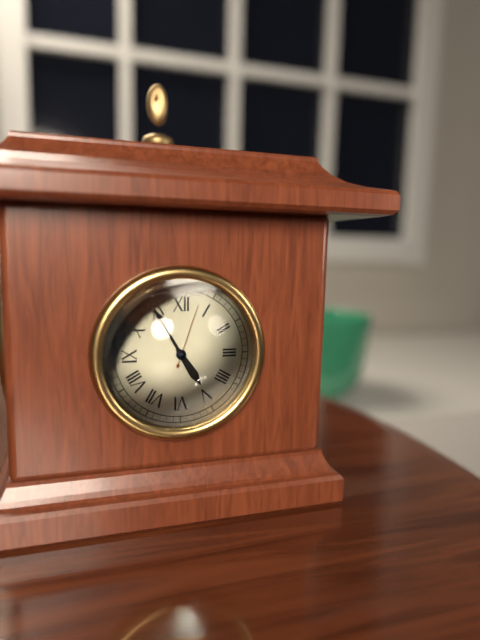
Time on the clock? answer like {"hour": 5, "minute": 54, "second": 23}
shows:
{"hour": 4, "minute": 55, "second": 3}
